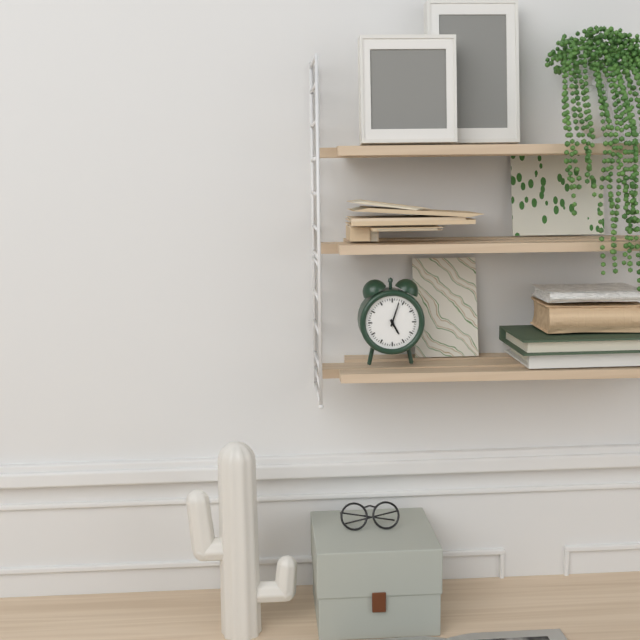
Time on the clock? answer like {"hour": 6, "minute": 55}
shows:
{"hour": 5, "minute": 3}
